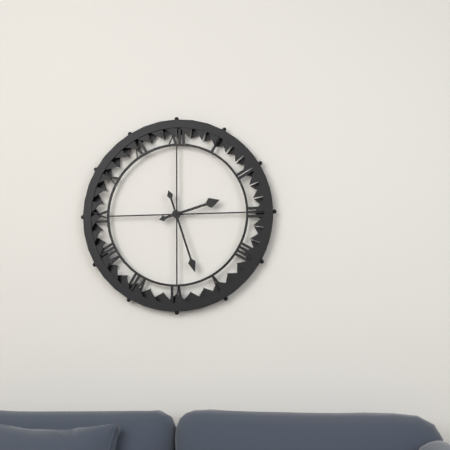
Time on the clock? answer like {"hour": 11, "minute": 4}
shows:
{"hour": 2, "minute": 27}
